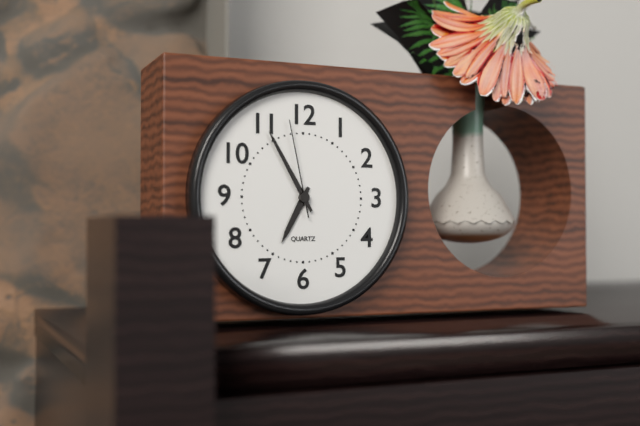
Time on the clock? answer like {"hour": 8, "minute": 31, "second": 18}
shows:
{"hour": 6, "minute": 55, "second": 58}
